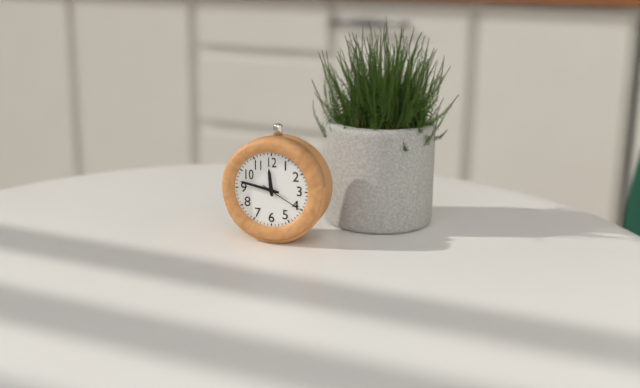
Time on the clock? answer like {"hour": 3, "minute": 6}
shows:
{"hour": 11, "minute": 47}
